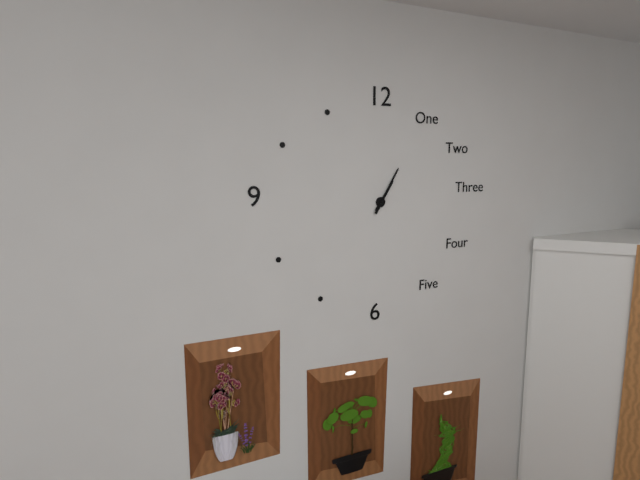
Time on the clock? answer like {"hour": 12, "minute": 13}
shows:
{"hour": 1, "minute": 5}
